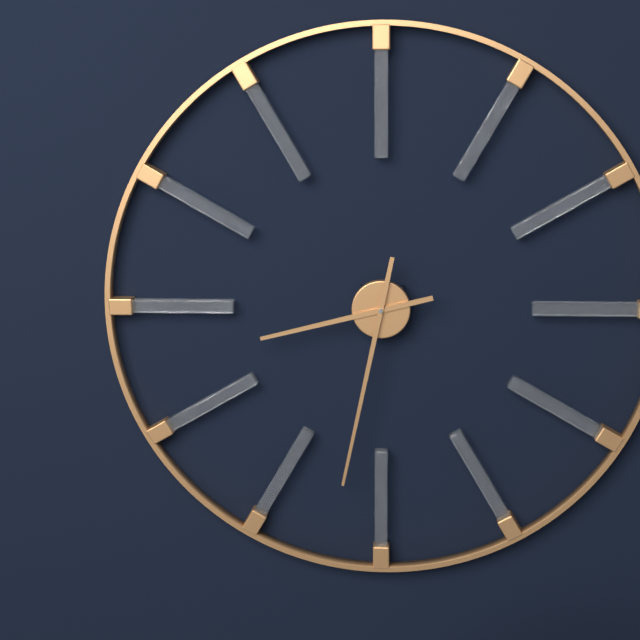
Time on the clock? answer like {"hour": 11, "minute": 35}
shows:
{"hour": 8, "minute": 32}
